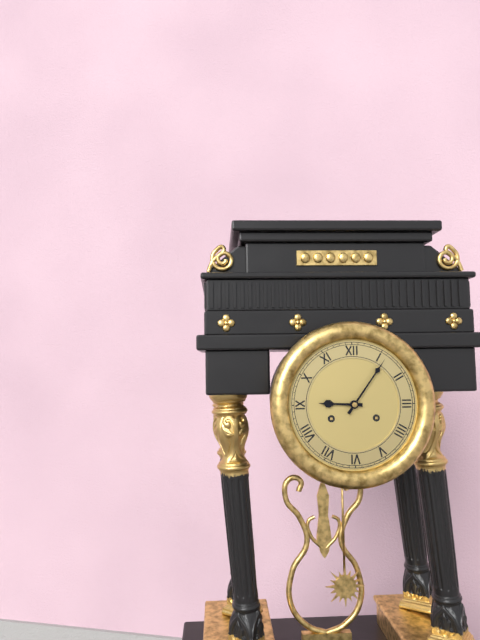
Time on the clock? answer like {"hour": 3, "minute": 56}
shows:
{"hour": 9, "minute": 6}
